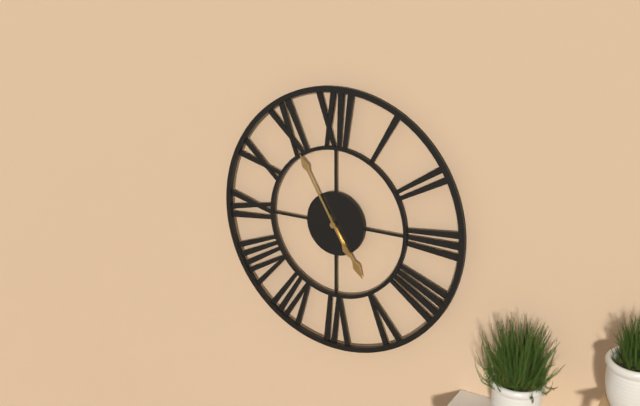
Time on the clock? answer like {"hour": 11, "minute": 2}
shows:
{"hour": 4, "minute": 55}
